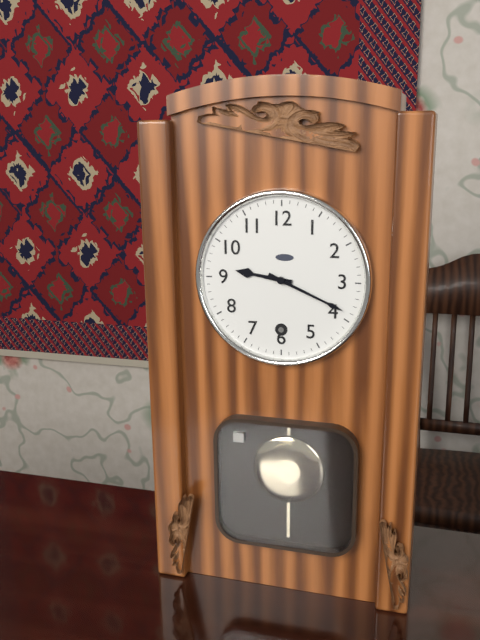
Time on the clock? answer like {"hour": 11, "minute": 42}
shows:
{"hour": 9, "minute": 19}
